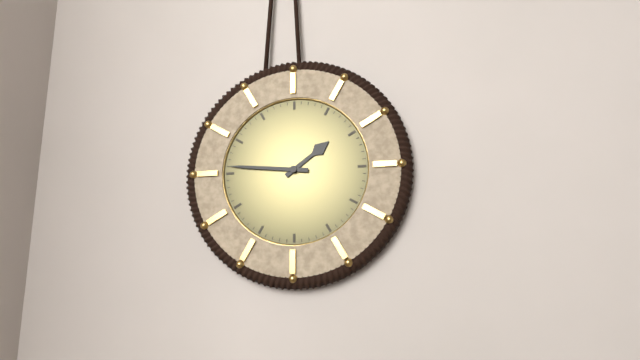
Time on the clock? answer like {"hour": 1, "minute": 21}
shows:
{"hour": 1, "minute": 46}
